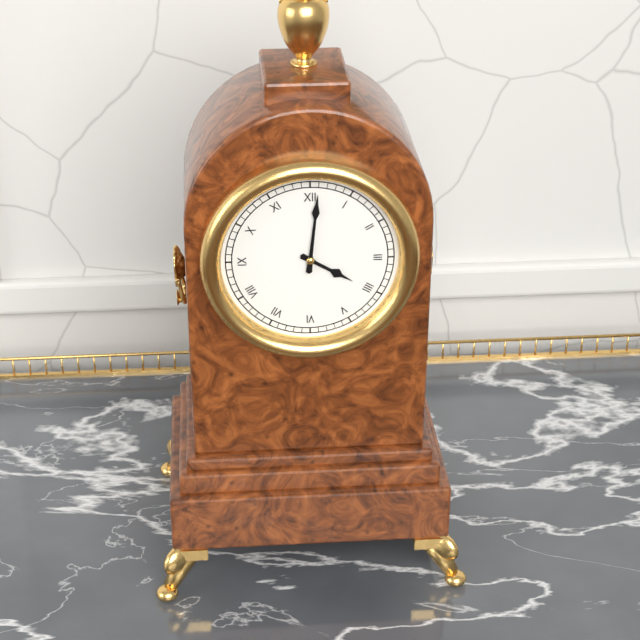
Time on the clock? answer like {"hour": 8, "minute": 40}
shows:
{"hour": 4, "minute": 1}
